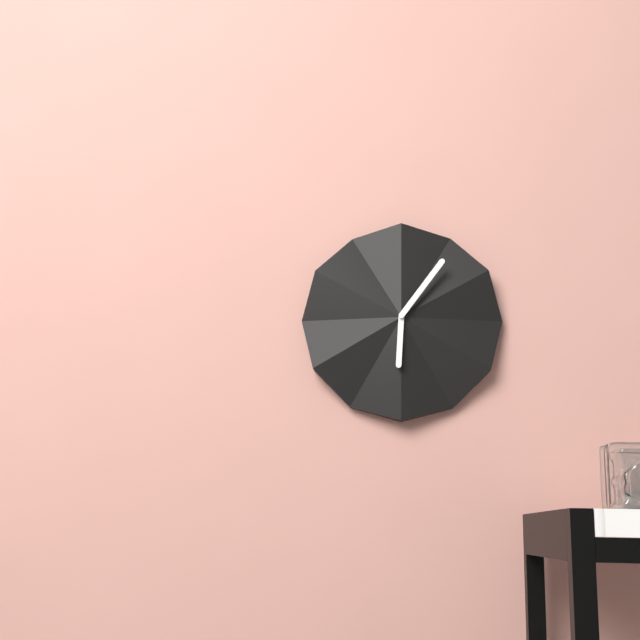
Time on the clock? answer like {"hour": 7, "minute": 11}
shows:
{"hour": 6, "minute": 6}
